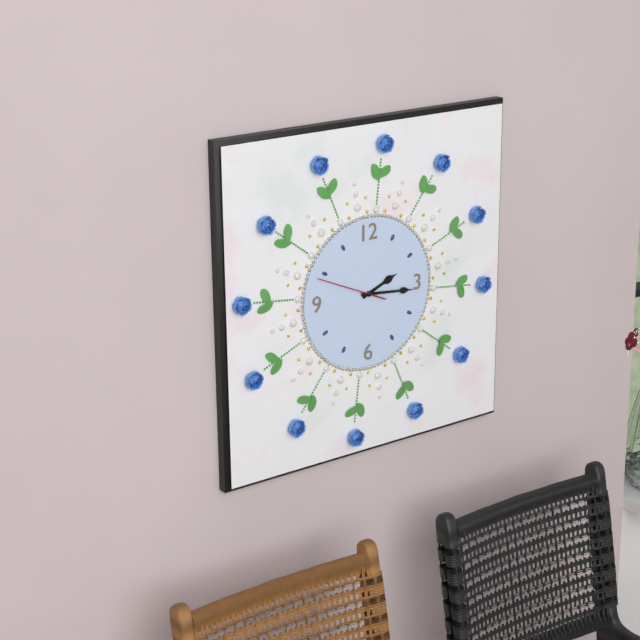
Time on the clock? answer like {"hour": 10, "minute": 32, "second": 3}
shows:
{"hour": 2, "minute": 16, "second": 49}
